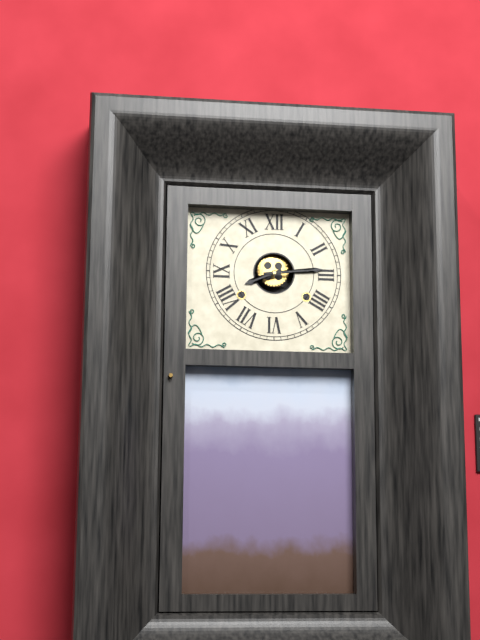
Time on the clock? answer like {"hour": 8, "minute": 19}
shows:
{"hour": 8, "minute": 14}
